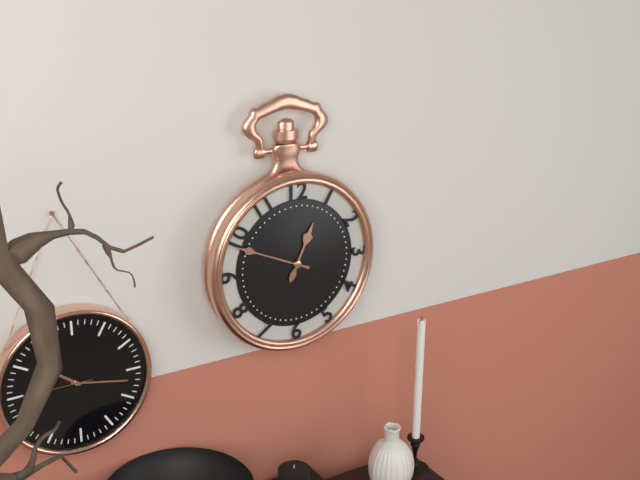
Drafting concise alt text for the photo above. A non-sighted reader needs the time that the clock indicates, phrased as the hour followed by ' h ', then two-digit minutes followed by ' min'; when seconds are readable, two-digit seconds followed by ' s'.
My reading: 12 h 49 min
